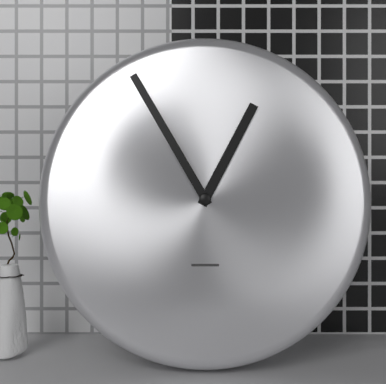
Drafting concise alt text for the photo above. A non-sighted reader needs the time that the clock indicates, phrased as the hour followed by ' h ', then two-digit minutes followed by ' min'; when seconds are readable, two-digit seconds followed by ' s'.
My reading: 12 h 55 min
